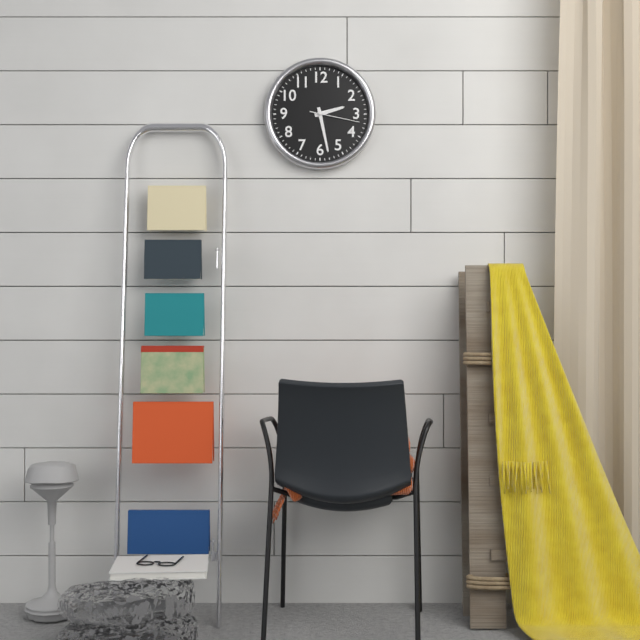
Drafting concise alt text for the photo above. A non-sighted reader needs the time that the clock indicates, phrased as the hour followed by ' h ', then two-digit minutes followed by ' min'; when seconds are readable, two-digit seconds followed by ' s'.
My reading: 2 h 28 min 17 s
